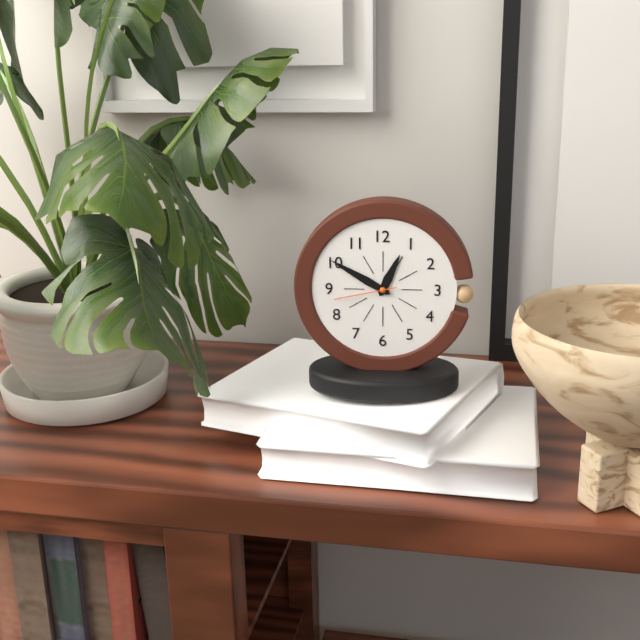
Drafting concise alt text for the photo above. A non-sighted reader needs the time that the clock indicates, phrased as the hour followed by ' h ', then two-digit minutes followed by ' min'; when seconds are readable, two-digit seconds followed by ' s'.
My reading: 12 h 50 min 43 s
